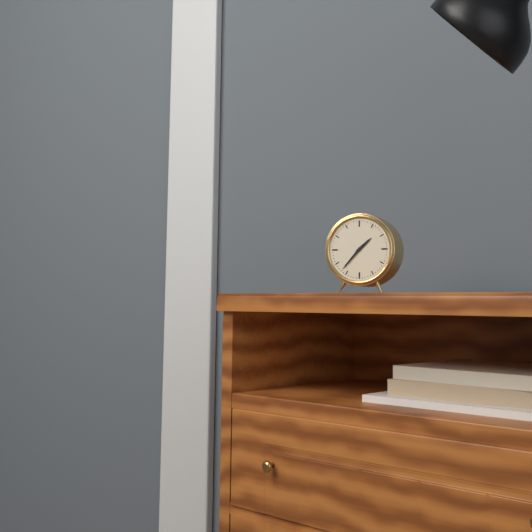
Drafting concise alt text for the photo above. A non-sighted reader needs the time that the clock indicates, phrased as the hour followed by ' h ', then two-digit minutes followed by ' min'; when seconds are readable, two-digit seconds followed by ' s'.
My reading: 1 h 37 min
